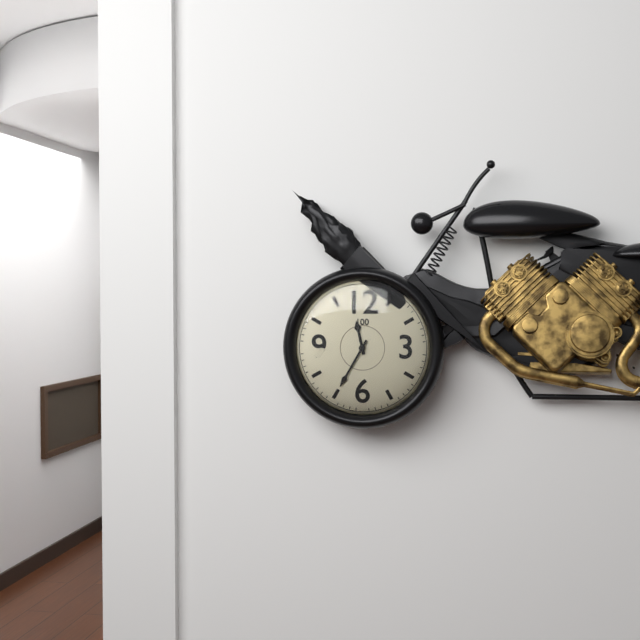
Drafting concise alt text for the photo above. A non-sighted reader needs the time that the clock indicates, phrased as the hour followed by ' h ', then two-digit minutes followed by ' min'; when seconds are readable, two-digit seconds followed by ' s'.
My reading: 11 h 35 min
